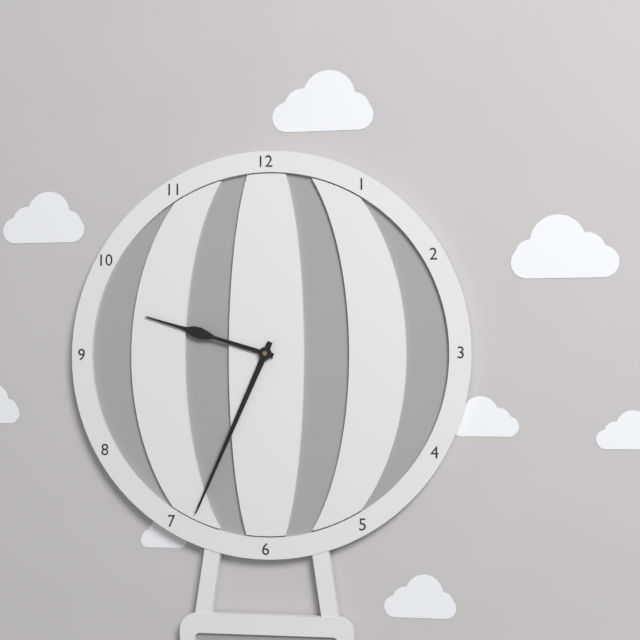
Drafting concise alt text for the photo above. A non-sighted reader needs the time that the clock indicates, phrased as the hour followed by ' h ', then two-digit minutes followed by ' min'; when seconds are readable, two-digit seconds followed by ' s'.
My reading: 9 h 34 min
